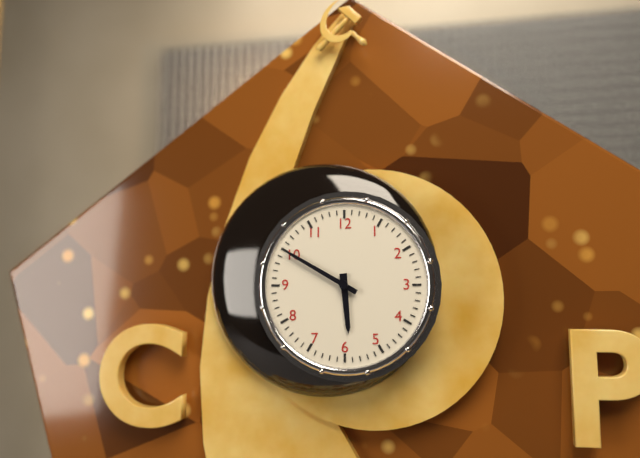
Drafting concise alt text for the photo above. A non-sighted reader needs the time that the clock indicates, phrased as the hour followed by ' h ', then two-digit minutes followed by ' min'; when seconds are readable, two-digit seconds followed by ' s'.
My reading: 5 h 50 min
